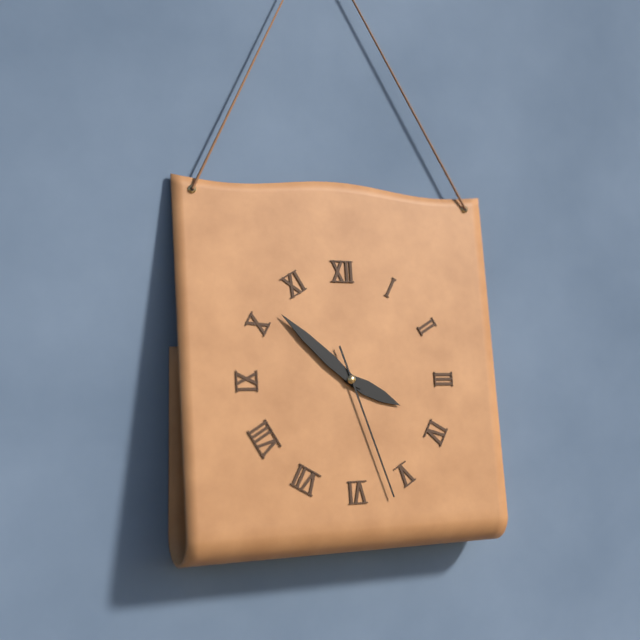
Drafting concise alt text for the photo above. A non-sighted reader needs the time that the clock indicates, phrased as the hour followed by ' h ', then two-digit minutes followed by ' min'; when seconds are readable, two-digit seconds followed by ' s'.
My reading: 3 h 52 min 27 s
